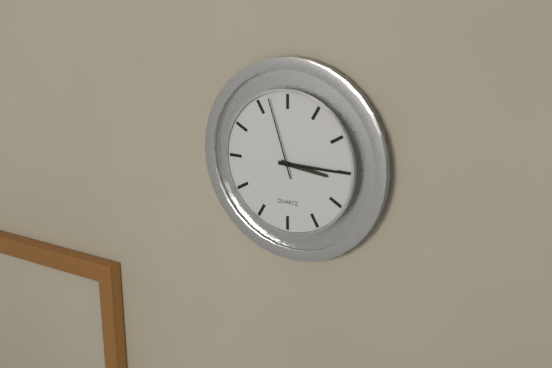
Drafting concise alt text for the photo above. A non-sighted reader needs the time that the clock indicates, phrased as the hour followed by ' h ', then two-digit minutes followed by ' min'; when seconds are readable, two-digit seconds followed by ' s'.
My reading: 3 h 15 min 57 s
